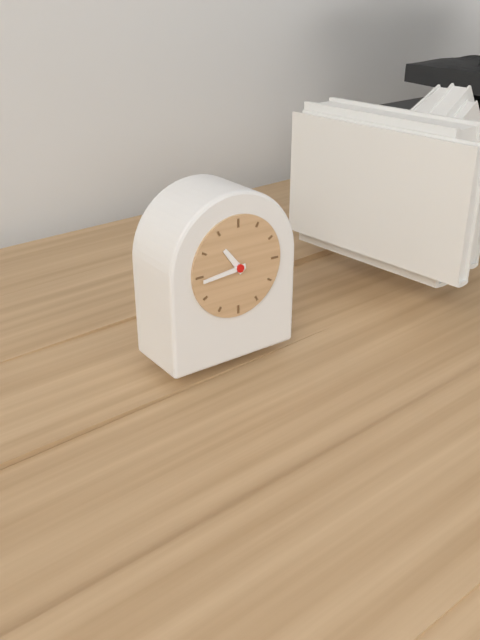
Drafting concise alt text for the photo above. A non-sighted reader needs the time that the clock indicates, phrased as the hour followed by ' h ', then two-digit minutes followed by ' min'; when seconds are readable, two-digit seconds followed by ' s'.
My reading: 10 h 44 min
